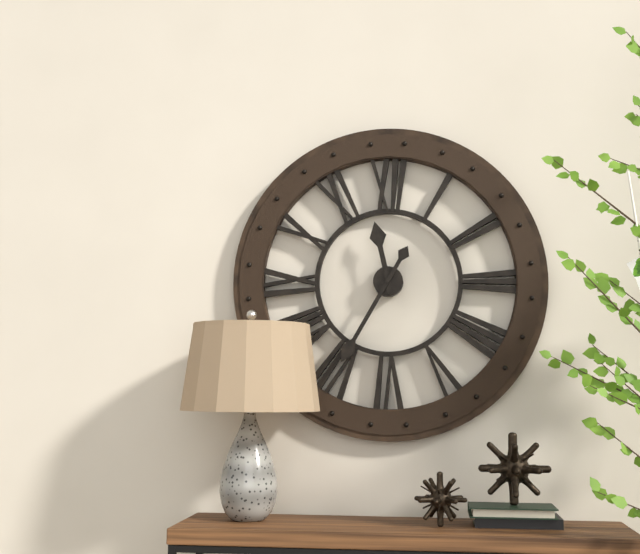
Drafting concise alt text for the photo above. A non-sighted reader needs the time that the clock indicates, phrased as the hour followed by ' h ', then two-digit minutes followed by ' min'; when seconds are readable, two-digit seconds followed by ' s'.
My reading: 11 h 35 min
